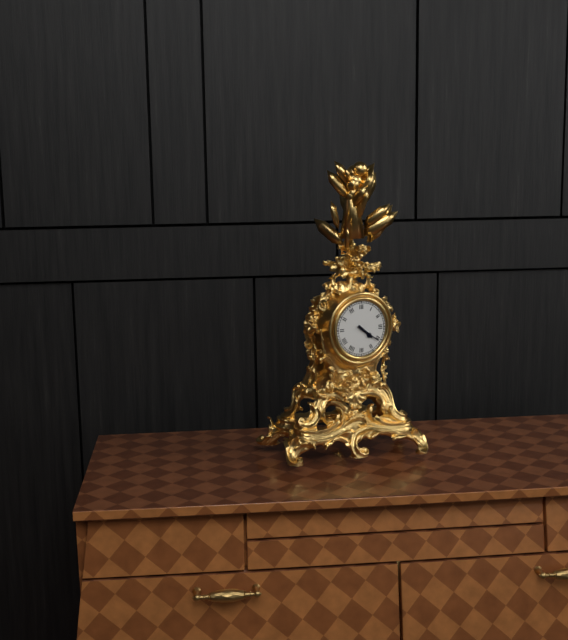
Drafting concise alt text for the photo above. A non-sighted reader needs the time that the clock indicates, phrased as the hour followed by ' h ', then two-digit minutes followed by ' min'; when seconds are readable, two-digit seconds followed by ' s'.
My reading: 4 h 21 min
